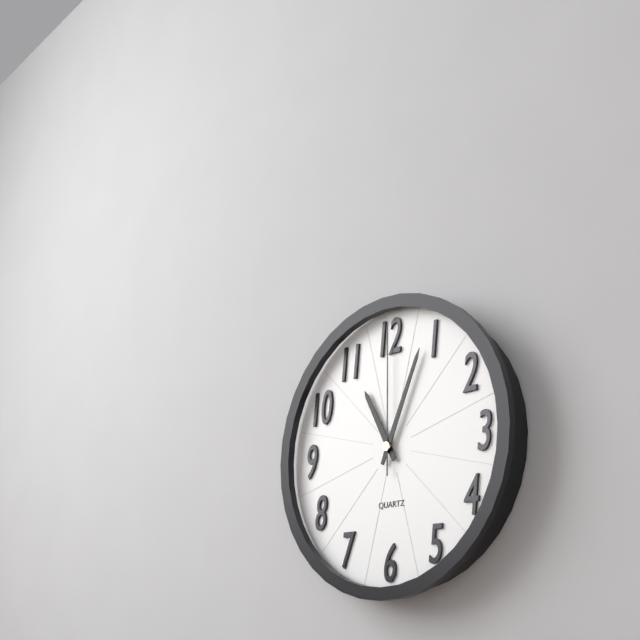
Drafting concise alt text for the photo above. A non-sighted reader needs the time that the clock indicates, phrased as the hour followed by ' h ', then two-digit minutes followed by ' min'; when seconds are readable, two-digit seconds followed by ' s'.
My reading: 11 h 04 min 00 s
